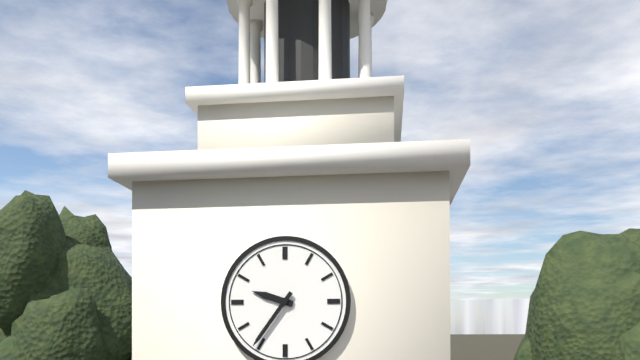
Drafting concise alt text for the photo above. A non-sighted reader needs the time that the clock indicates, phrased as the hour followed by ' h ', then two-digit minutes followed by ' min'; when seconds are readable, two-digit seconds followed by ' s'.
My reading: 9 h 36 min
